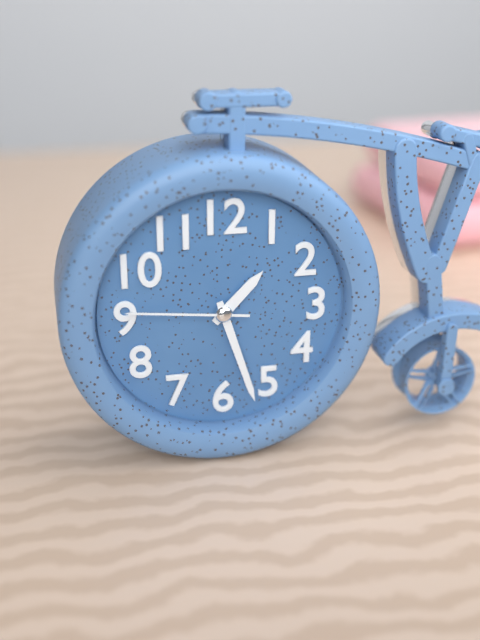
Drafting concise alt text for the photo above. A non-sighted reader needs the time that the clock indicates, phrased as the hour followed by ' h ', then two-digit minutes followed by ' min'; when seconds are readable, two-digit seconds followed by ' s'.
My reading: 1 h 27 min 46 s
